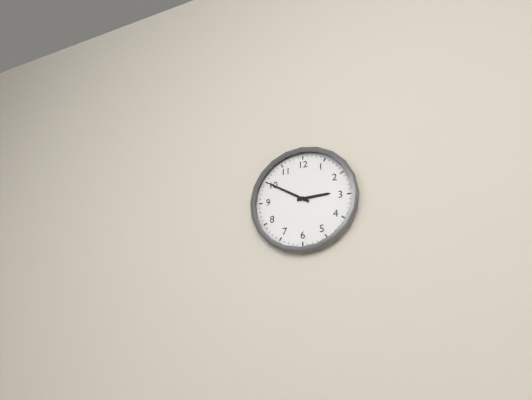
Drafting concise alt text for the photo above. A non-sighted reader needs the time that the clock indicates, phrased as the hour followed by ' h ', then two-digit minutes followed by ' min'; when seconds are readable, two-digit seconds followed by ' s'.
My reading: 2 h 50 min
